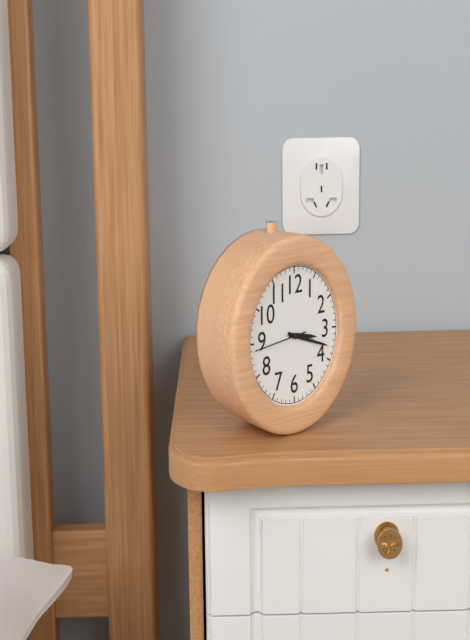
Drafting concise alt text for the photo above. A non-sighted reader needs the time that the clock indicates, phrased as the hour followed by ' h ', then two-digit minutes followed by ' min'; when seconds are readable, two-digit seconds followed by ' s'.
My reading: 3 h 18 min 44 s
